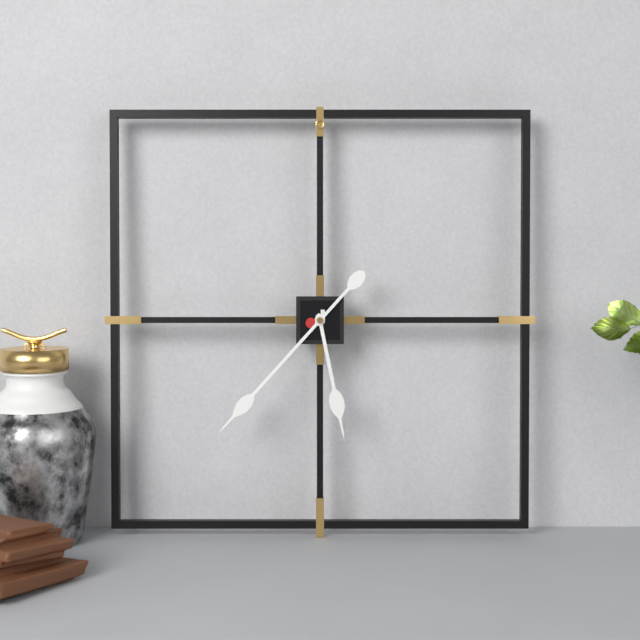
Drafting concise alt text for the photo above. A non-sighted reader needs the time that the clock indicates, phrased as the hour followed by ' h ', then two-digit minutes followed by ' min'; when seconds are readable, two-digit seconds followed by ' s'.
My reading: 5 h 37 min
